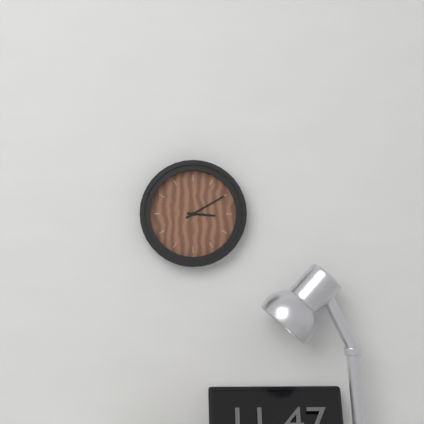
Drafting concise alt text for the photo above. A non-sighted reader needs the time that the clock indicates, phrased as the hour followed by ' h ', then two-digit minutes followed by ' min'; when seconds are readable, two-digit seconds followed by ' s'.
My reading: 3 h 10 min
